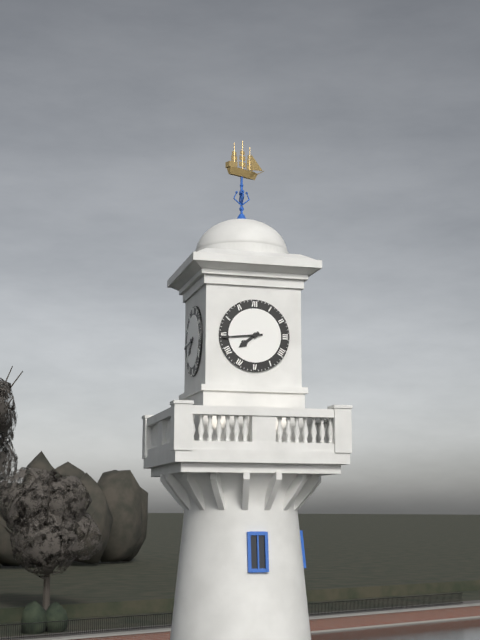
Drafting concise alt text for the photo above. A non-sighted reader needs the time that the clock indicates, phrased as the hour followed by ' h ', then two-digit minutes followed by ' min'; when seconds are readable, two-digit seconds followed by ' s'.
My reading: 7 h 44 min
